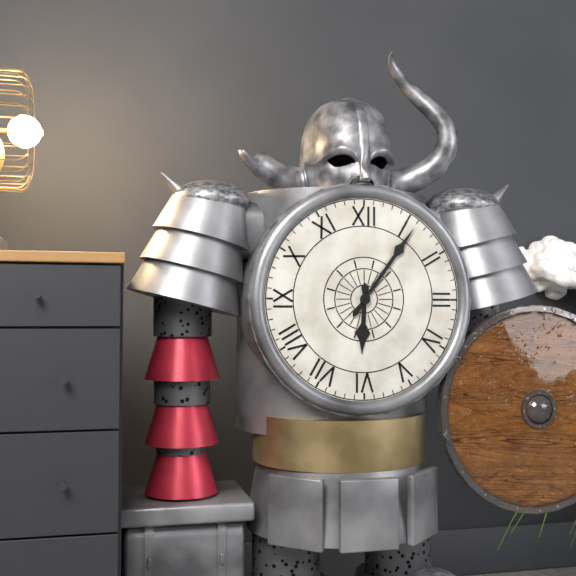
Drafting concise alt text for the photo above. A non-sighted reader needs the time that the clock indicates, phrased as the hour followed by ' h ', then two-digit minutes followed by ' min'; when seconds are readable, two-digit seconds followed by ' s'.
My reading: 6 h 06 min
